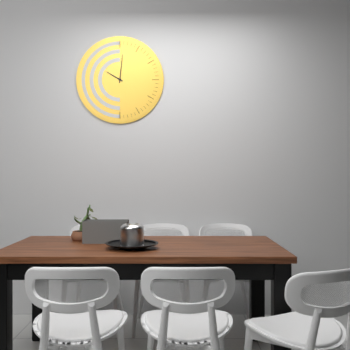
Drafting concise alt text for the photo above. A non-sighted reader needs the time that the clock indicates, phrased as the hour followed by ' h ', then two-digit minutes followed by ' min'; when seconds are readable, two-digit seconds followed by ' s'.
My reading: 10 h 01 min
